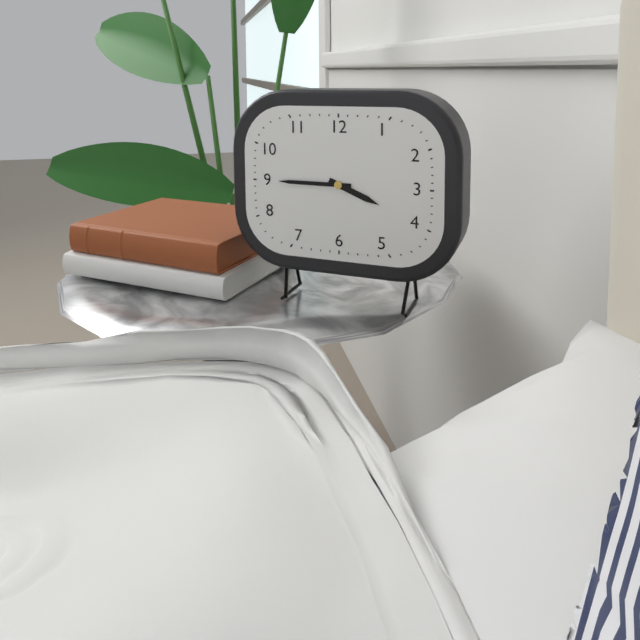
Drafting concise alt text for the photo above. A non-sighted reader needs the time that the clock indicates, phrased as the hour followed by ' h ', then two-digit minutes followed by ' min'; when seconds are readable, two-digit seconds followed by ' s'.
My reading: 3 h 45 min
